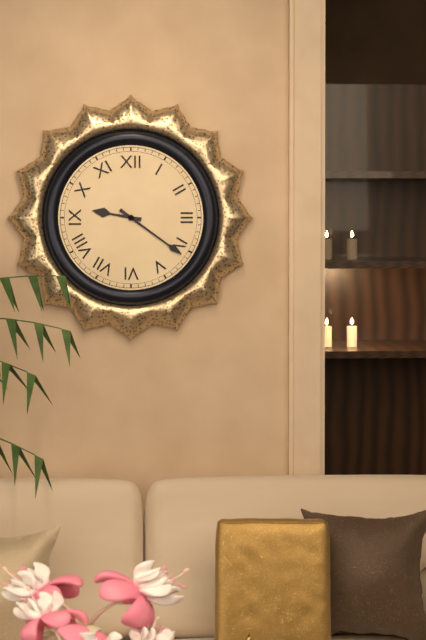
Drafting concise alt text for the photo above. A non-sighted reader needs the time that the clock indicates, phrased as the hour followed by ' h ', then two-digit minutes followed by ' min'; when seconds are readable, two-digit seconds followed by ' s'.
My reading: 9 h 21 min
